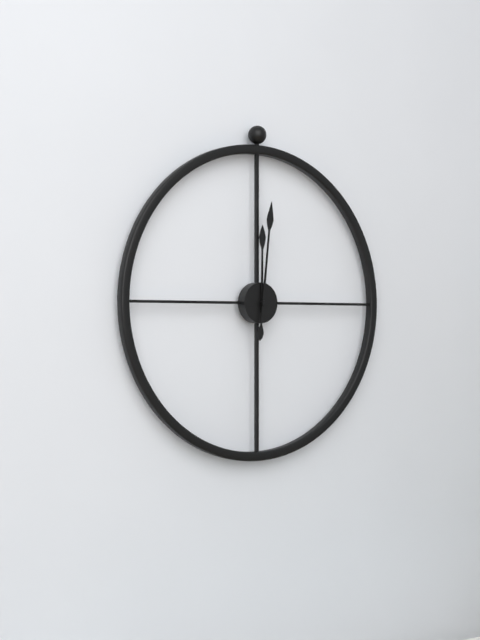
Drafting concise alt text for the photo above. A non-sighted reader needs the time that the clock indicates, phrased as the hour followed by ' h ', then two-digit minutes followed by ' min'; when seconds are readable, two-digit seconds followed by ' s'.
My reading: 12 h 01 min
